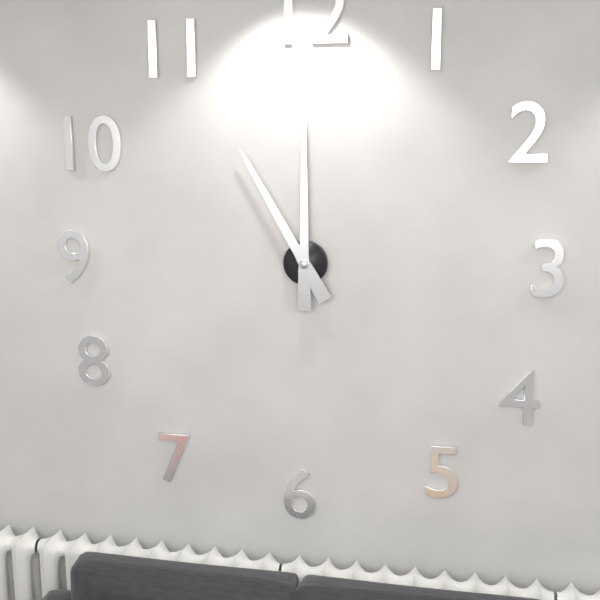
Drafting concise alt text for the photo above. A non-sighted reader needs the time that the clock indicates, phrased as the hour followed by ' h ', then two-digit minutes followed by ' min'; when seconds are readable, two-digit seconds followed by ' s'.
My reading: 11 h 00 min
